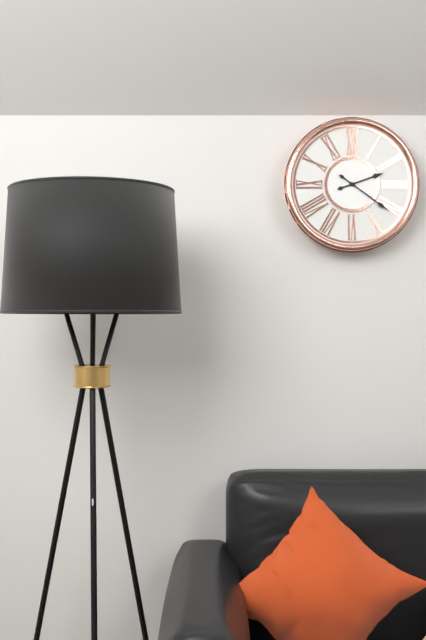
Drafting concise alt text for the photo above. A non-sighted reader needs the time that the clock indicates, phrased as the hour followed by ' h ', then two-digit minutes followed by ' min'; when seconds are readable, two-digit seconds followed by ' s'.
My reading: 2 h 21 min
